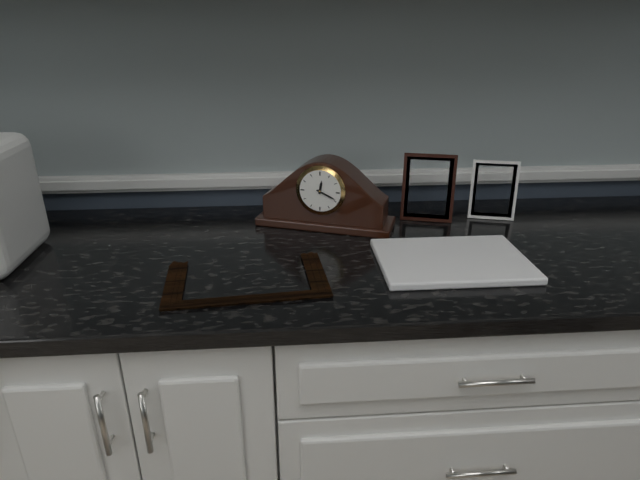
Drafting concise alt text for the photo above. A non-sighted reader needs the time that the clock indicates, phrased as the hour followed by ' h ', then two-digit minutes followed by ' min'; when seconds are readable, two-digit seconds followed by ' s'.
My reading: 12 h 19 min
